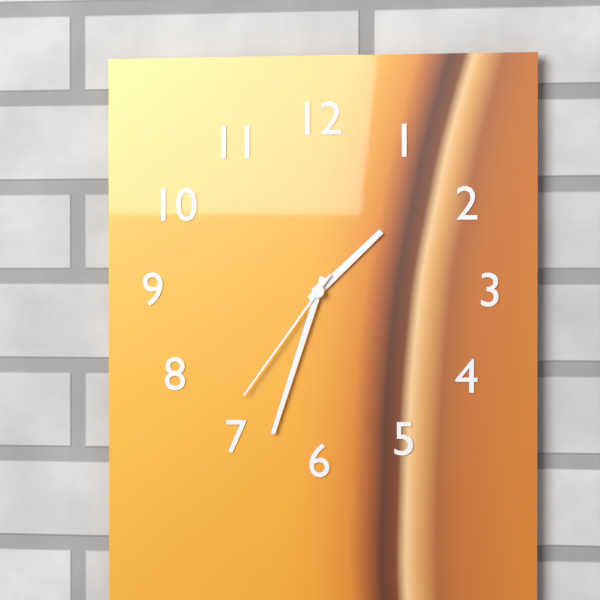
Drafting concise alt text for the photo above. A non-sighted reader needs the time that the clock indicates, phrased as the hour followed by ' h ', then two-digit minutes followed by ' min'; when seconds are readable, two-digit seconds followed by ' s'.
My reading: 1 h 33 min 36 s
